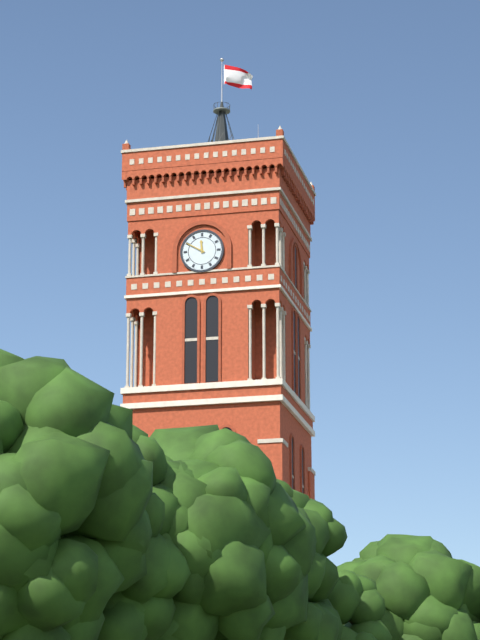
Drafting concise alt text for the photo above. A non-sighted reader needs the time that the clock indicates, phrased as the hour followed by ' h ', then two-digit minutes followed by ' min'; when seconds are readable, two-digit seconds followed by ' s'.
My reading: 11 h 50 min
